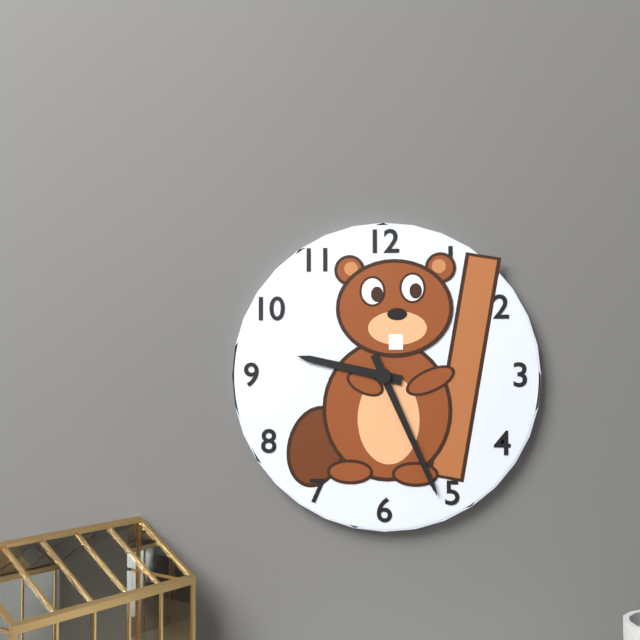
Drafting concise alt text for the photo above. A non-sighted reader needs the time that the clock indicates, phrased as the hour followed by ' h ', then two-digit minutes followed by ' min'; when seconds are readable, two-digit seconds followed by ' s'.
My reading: 9 h 26 min
